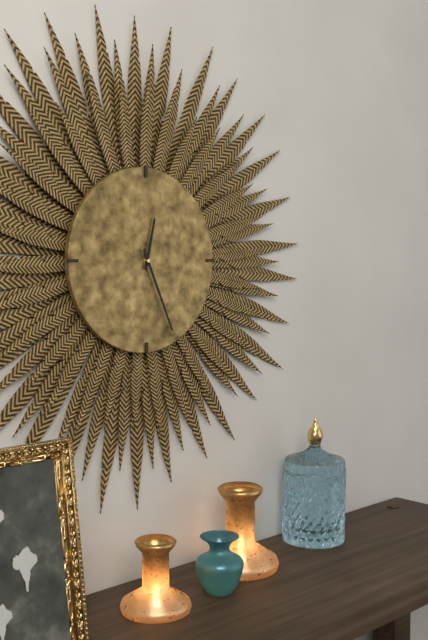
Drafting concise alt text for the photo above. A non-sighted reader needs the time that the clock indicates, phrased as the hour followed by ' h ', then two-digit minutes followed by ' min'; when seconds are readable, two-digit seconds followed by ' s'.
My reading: 12 h 26 min
